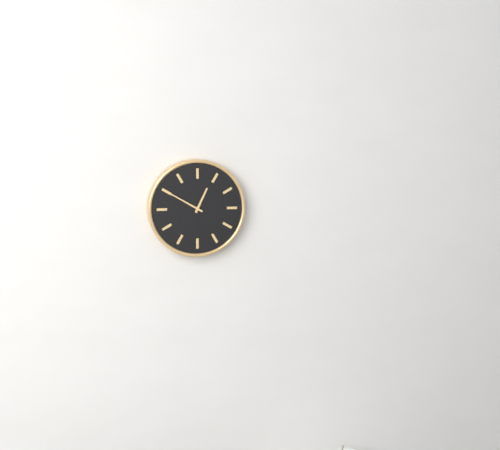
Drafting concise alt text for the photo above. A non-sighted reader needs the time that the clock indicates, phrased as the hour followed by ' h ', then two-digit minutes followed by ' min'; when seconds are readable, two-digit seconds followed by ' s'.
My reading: 12 h 50 min
